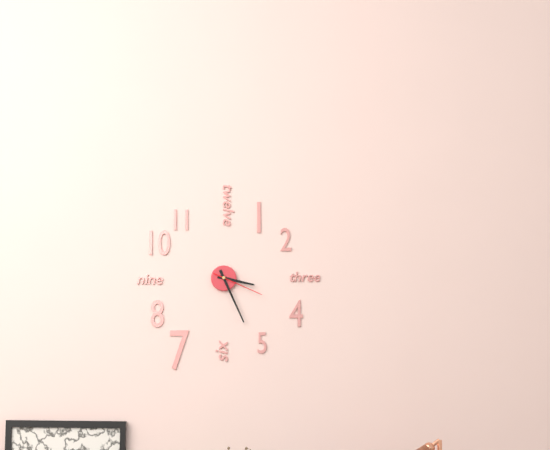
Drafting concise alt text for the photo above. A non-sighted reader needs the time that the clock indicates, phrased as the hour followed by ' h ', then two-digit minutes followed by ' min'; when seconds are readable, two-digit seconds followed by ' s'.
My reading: 3 h 26 min 19 s
